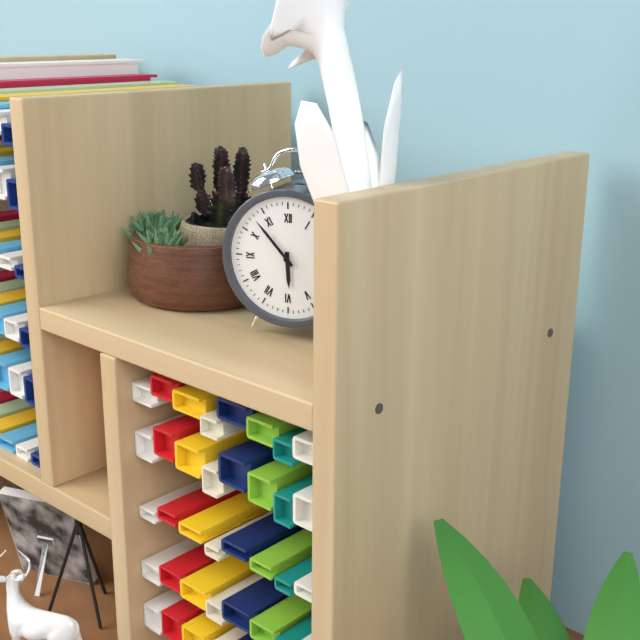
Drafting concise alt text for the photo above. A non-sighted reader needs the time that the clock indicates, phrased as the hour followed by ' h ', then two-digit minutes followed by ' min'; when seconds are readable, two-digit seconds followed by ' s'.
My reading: 5 h 53 min
